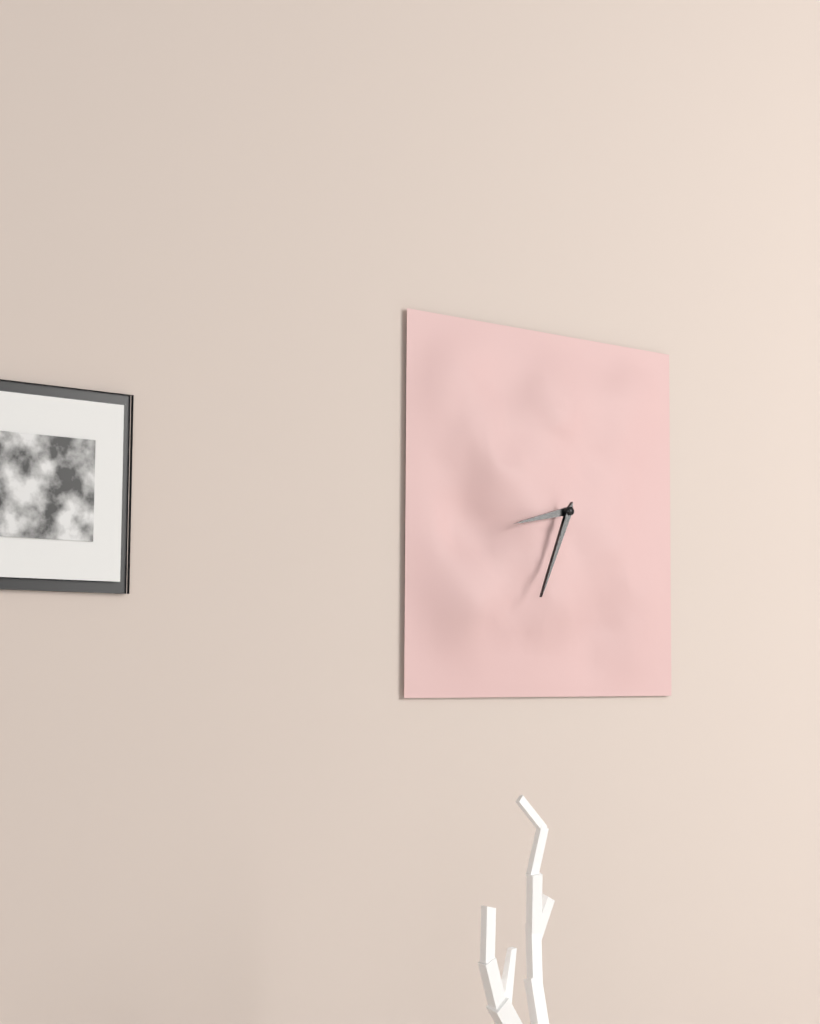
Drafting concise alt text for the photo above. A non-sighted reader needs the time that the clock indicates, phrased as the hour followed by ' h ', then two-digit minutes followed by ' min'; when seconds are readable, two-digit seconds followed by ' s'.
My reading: 8 h 34 min
